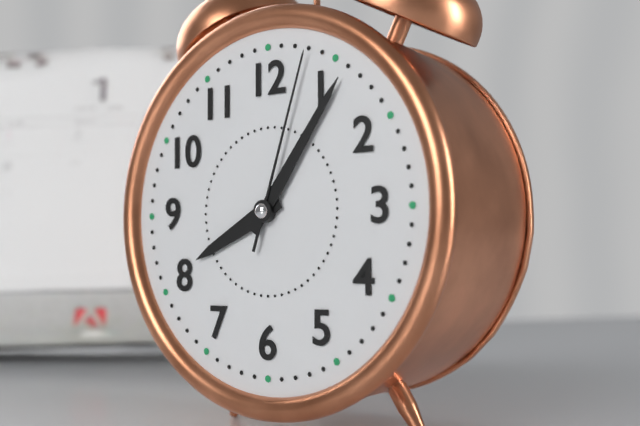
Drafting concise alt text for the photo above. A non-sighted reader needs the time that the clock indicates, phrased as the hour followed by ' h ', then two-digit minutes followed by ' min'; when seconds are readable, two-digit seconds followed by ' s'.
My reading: 8 h 06 min 03 s
